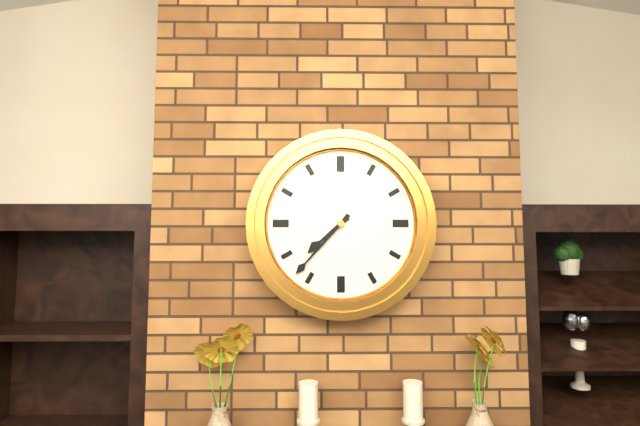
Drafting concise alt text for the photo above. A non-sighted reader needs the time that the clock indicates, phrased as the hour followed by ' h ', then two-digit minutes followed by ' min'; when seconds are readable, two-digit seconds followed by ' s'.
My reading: 7 h 37 min
